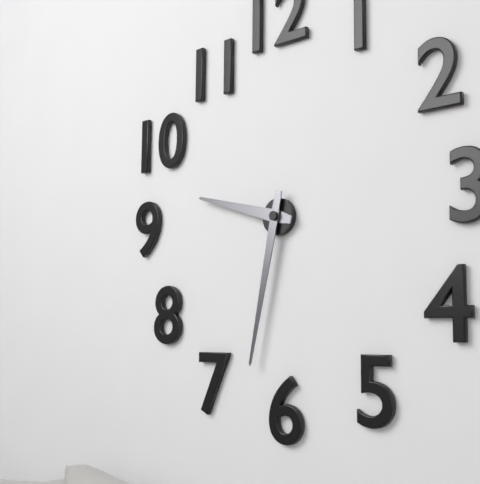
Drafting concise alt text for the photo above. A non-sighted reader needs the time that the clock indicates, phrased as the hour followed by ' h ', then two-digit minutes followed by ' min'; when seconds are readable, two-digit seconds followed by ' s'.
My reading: 9 h 32 min
